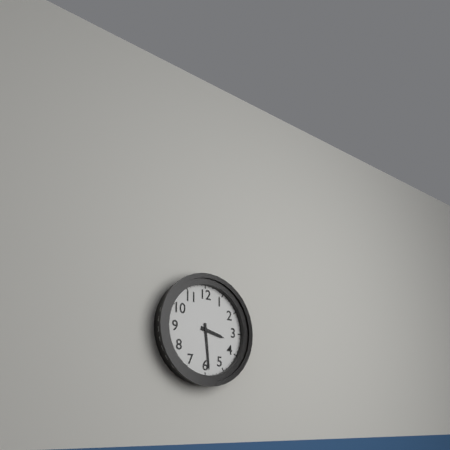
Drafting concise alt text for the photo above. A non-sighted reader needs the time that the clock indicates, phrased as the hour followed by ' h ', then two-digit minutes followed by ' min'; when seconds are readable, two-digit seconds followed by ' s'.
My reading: 3 h 29 min
